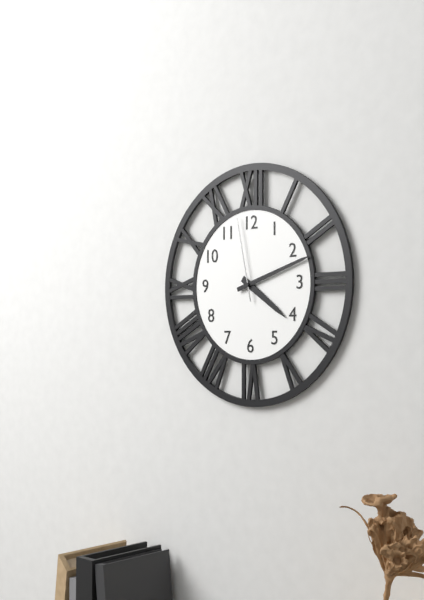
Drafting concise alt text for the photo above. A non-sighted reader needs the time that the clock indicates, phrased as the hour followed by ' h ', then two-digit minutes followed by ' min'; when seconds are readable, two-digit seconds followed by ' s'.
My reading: 4 h 12 min 58 s
